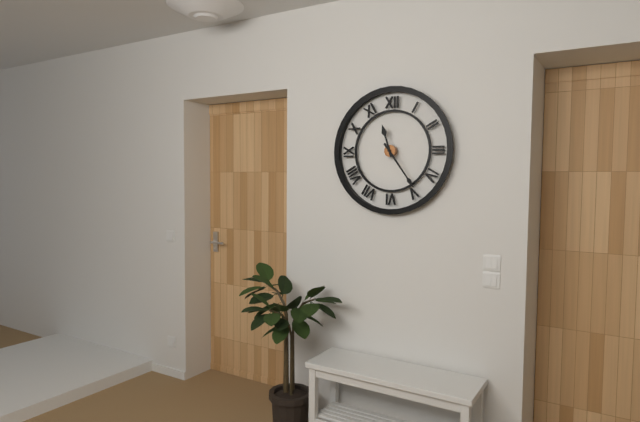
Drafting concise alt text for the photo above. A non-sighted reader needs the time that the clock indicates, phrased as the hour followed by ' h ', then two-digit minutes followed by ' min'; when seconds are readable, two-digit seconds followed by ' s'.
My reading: 11 h 24 min
